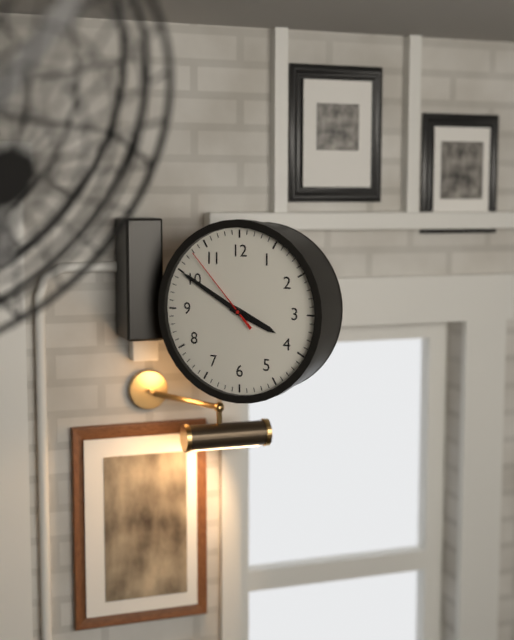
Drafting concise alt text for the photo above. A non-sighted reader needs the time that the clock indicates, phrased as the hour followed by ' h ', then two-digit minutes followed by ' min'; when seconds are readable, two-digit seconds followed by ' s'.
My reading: 3 h 50 min 53 s
